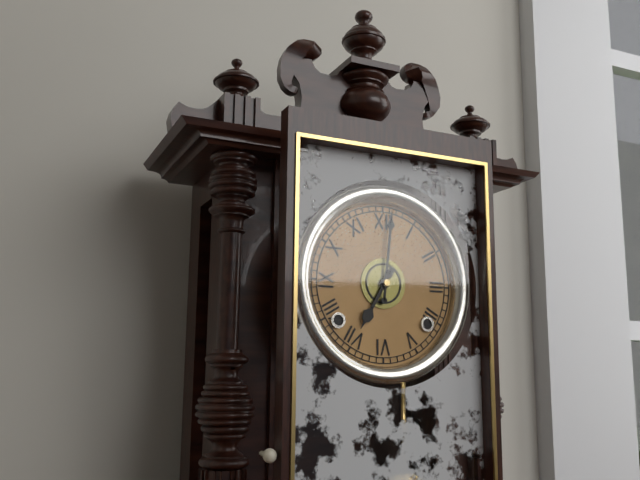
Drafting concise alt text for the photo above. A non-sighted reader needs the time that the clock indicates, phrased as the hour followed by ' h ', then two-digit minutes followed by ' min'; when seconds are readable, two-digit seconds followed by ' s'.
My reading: 7 h 01 min
